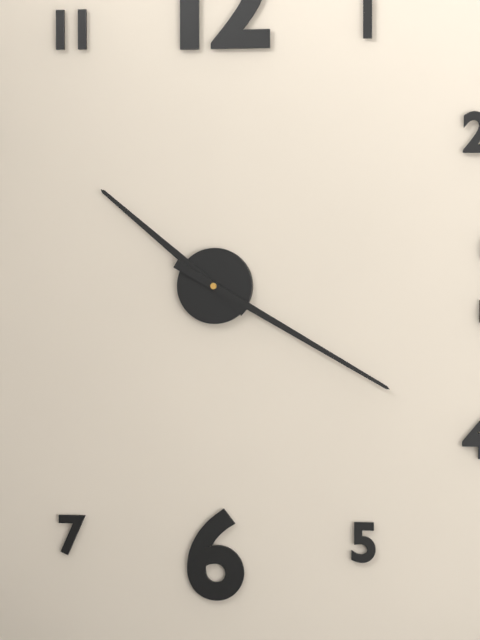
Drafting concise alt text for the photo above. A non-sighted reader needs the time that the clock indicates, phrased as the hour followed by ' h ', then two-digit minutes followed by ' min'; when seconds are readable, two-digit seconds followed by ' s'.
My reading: 10 h 20 min
